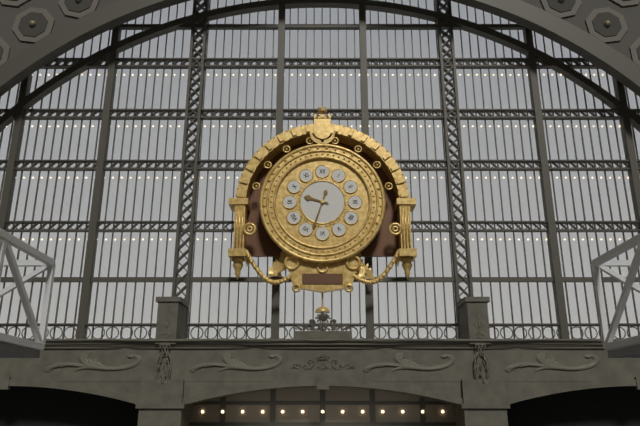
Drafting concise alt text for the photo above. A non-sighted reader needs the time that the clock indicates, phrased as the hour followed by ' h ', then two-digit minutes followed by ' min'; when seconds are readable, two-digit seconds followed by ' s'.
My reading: 9 h 33 min
